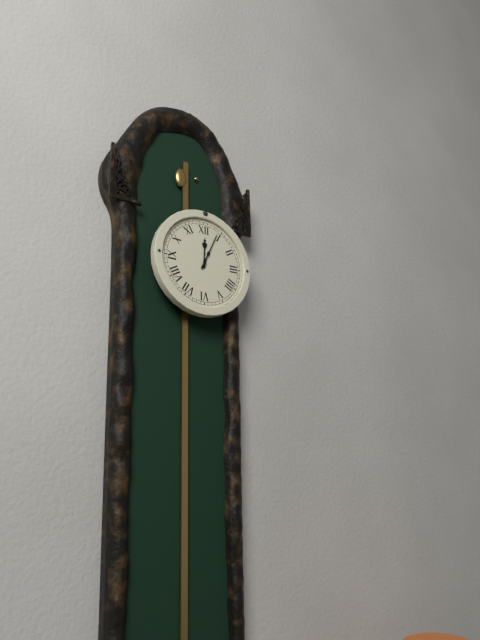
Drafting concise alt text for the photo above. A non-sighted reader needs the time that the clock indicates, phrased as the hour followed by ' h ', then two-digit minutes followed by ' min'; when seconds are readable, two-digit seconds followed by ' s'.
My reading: 12 h 04 min
